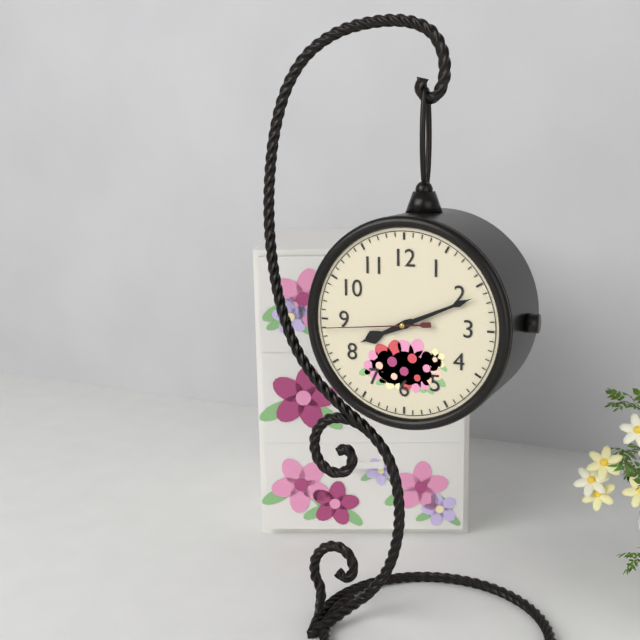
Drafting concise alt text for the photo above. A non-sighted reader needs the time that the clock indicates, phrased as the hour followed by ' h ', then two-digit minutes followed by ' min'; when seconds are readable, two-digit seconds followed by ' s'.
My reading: 8 h 11 min 44 s
